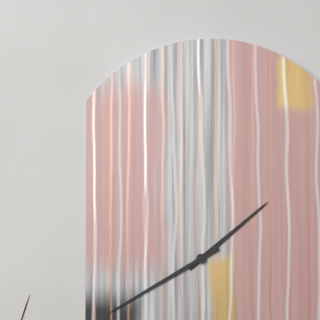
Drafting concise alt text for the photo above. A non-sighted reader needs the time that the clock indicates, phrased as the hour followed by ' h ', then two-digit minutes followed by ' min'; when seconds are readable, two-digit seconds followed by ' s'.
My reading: 1 h 40 min
